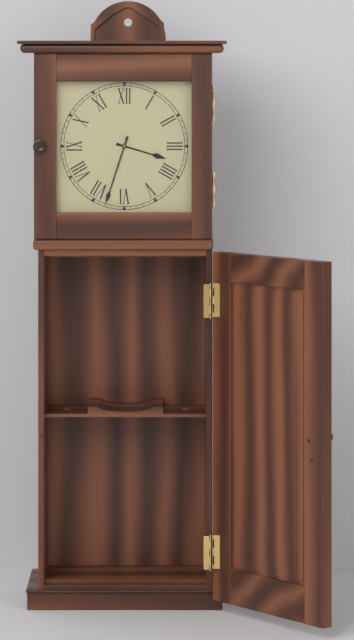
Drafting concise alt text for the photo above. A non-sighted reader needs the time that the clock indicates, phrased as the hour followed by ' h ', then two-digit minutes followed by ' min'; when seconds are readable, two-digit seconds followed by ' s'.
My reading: 3 h 33 min
